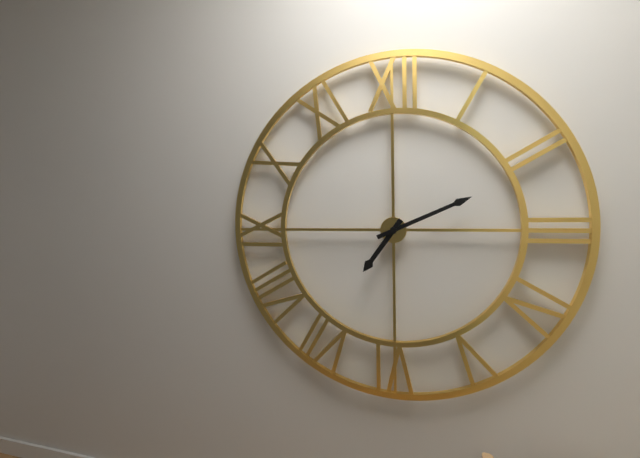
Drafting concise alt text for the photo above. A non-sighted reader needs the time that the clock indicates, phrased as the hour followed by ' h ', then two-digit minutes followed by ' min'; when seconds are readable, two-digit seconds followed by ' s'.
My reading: 7 h 11 min
